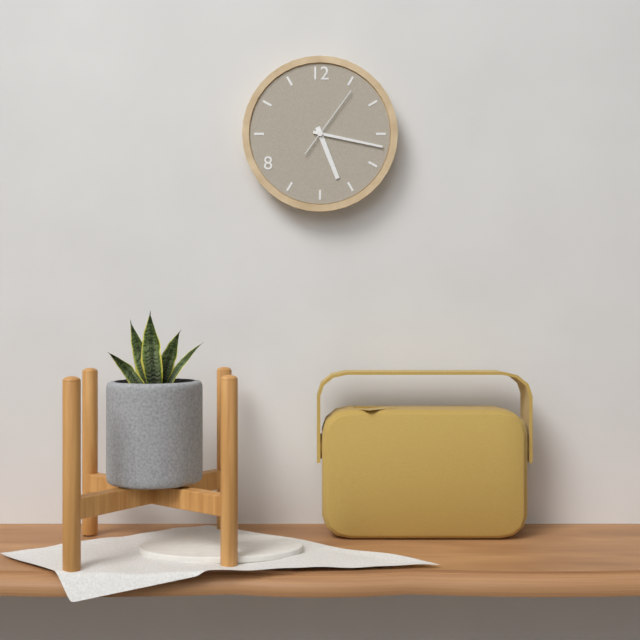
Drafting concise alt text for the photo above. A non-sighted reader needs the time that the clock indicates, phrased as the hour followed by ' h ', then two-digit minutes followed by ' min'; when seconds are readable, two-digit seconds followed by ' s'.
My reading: 5 h 17 min 06 s
